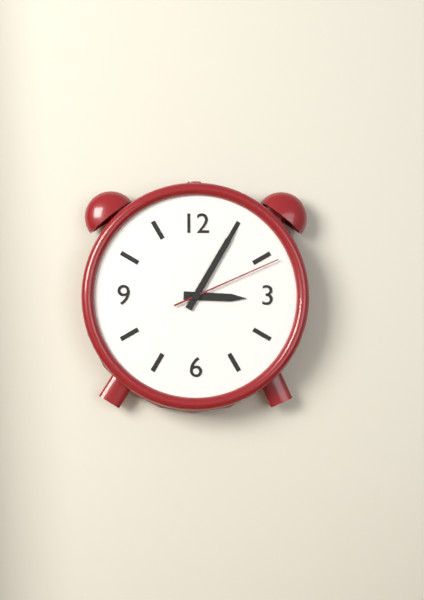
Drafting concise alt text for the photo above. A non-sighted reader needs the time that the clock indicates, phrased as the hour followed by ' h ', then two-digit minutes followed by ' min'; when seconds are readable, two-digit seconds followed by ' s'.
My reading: 3 h 05 min 11 s
